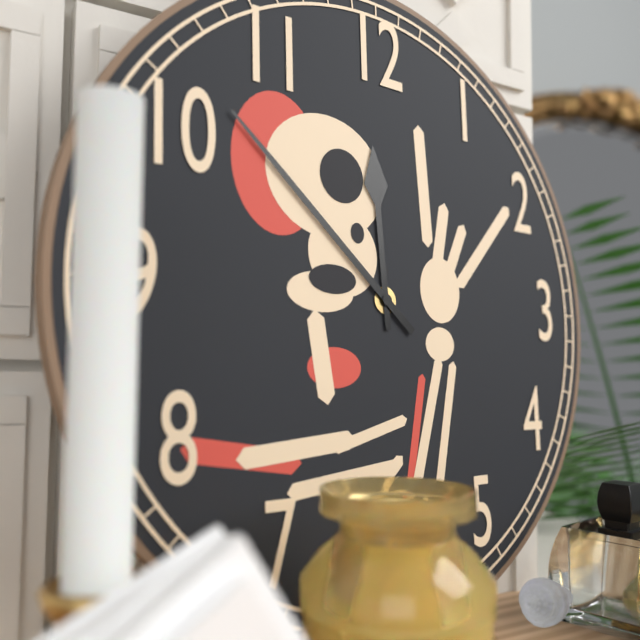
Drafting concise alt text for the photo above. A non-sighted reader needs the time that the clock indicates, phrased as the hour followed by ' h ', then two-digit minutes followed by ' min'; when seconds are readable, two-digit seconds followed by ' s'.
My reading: 11 h 52 min
